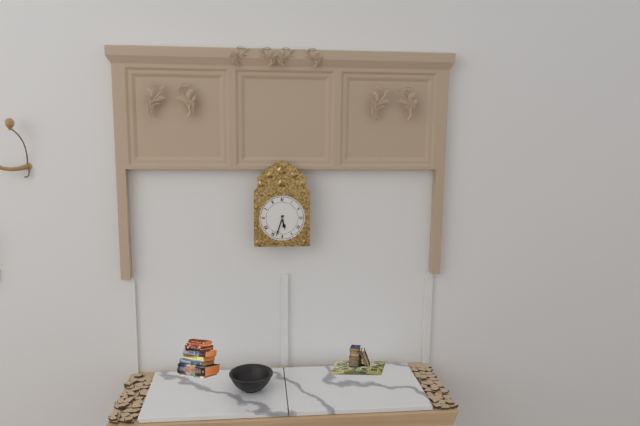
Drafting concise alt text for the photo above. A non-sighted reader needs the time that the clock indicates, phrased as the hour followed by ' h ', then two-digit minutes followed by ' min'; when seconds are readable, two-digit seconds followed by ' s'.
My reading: 5 h 33 min
